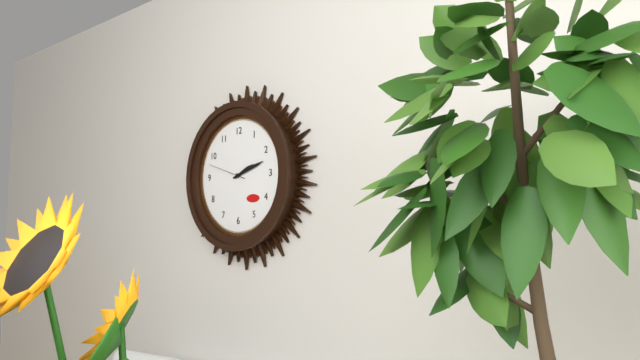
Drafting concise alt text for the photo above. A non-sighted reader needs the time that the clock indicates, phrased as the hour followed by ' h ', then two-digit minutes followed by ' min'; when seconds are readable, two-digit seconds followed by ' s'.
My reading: 2 h 12 min
